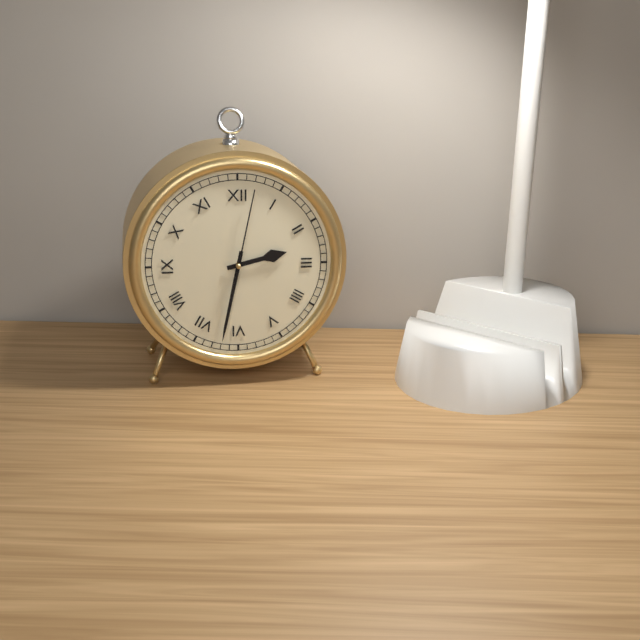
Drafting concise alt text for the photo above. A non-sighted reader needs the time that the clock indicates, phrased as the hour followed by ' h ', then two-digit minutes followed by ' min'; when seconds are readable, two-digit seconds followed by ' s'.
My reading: 2 h 32 min 02 s
